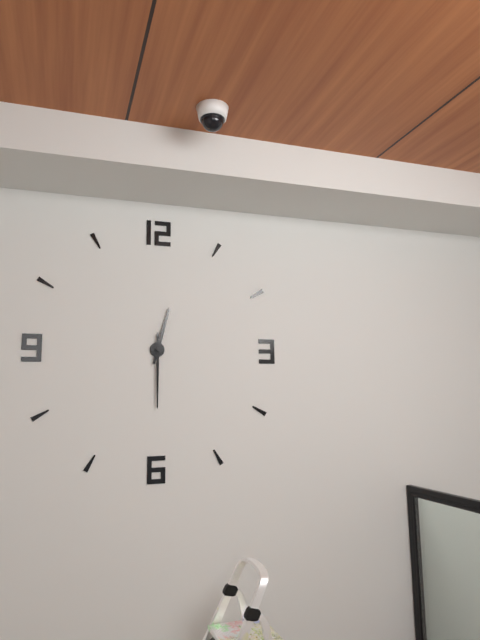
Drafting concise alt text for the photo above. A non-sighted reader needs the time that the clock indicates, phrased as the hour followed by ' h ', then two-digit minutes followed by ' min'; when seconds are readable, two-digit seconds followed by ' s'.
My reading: 12 h 30 min
